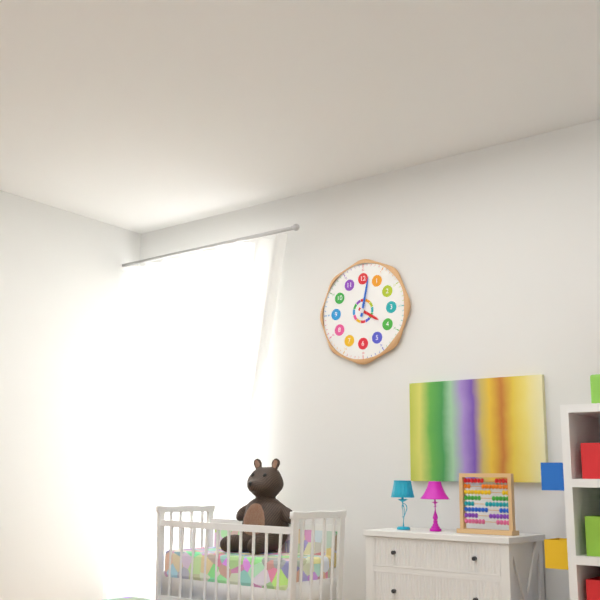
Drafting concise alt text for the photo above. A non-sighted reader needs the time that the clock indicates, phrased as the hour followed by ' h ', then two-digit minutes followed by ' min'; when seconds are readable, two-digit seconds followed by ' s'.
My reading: 4 h 02 min
